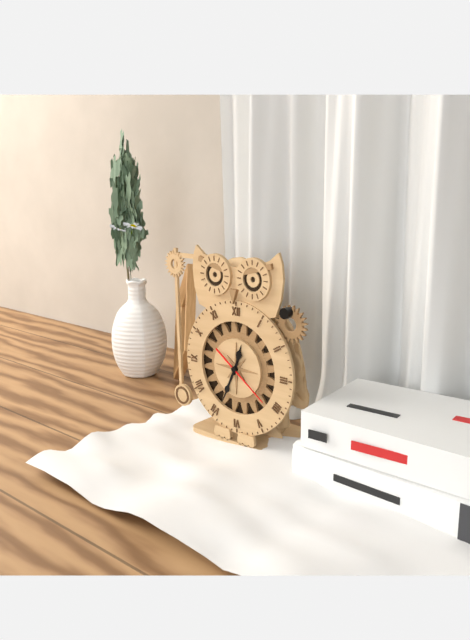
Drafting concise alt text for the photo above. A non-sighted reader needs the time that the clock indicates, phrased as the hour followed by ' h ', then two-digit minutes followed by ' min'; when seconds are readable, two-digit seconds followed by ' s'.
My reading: 12 h 34 min 21 s
